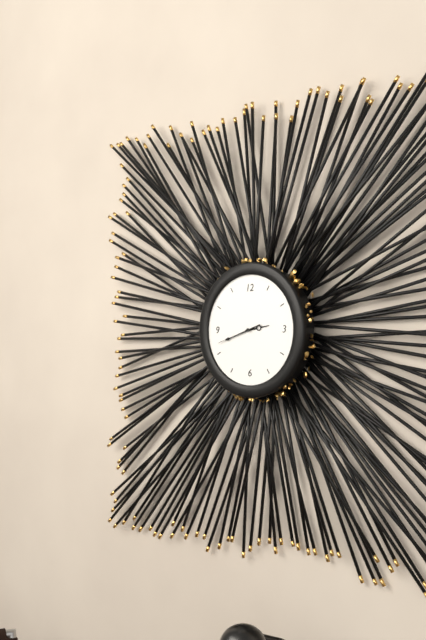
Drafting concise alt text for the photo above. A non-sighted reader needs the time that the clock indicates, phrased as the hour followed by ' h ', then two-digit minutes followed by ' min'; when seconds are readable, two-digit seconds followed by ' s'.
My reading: 2 h 42 min
